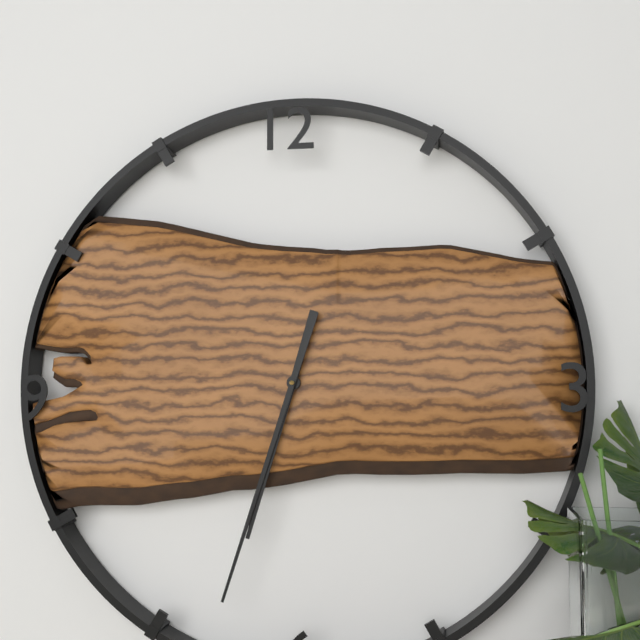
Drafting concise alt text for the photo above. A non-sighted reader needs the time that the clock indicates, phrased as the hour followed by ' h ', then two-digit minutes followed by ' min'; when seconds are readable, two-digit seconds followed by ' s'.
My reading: 6 h 33 min
